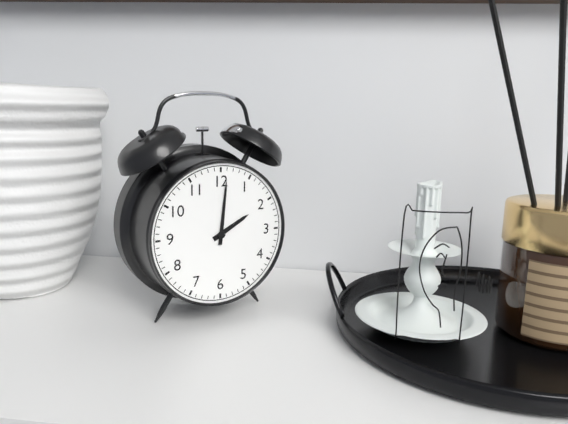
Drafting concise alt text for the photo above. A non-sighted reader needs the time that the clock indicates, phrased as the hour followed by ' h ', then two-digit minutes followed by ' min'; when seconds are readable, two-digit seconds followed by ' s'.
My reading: 2 h 01 min
